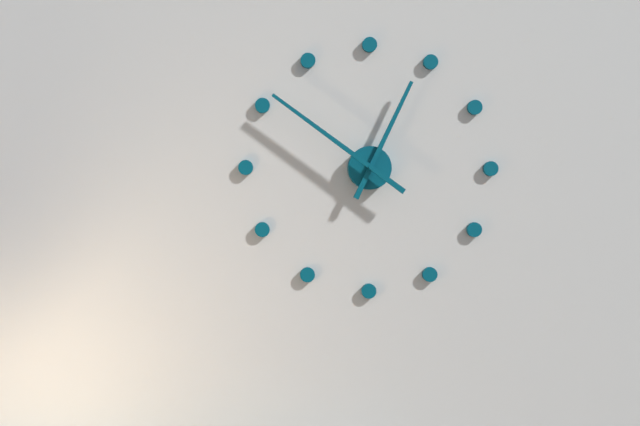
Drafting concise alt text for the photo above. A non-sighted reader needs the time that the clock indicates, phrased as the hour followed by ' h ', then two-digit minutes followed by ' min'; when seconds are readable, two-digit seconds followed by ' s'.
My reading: 12 h 51 min
